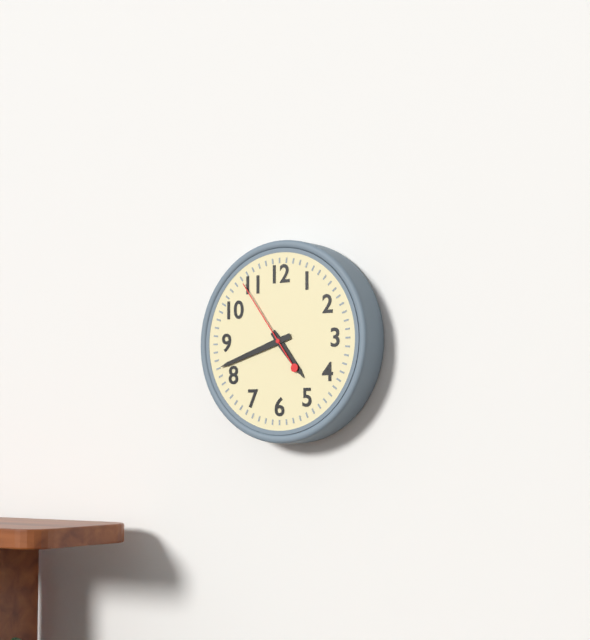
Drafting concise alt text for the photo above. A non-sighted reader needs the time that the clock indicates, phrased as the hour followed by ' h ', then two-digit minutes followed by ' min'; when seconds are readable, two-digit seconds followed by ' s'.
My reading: 4 h 42 min 54 s
